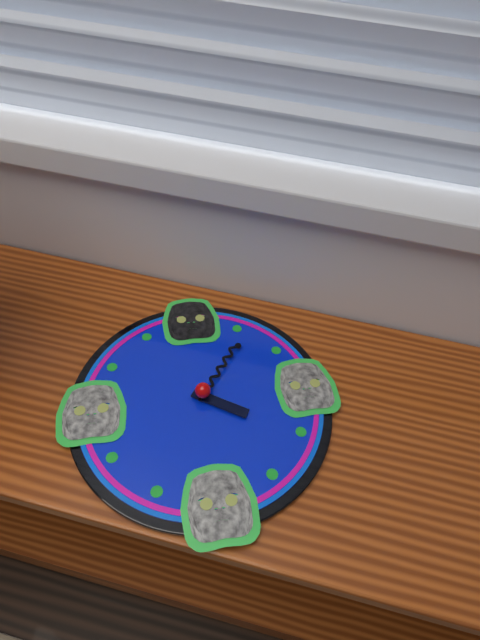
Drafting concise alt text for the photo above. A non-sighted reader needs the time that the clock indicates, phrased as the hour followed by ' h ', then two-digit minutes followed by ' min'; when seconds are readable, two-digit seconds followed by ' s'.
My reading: 4 h 06 min
